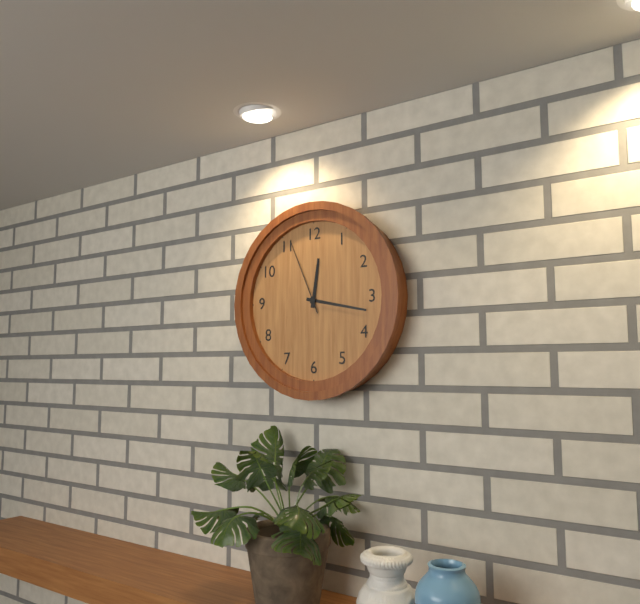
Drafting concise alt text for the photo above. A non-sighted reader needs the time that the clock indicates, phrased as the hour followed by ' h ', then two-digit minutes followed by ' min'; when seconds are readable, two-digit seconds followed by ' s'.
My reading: 12 h 17 min 56 s
